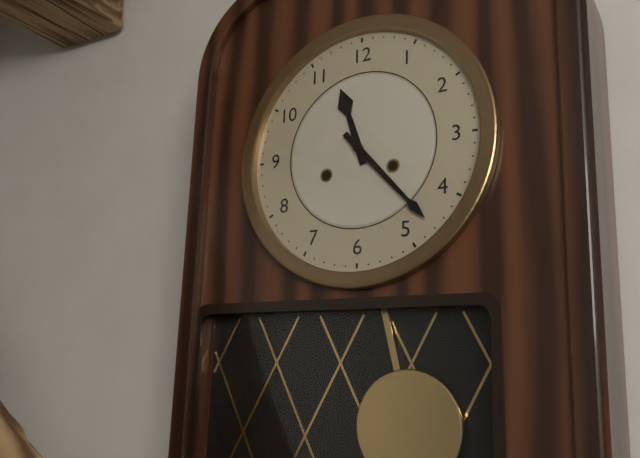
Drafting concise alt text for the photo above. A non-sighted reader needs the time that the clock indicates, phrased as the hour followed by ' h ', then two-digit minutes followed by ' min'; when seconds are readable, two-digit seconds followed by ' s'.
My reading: 11 h 23 min
